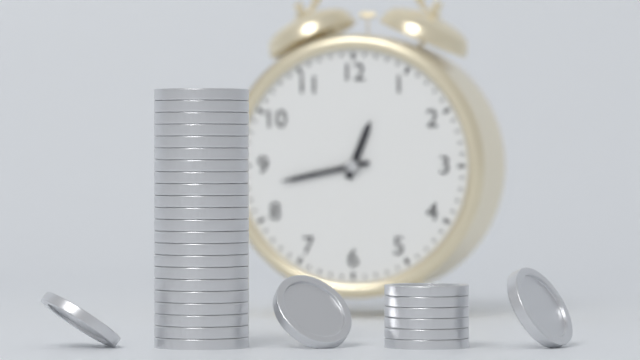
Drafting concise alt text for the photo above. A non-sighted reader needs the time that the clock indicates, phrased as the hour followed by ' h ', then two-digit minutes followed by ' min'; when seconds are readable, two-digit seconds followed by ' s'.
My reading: 12 h 43 min
